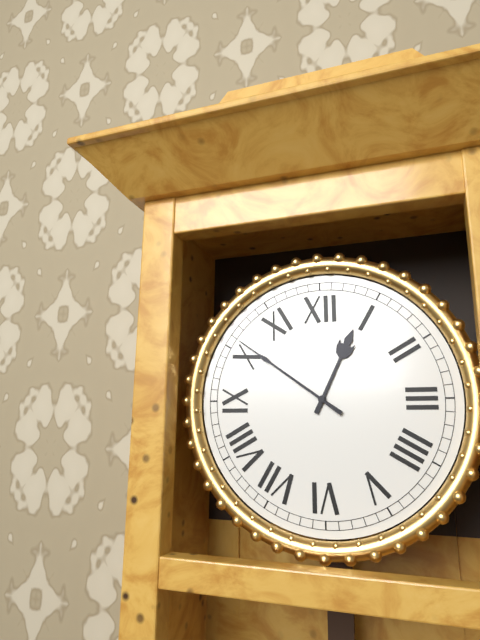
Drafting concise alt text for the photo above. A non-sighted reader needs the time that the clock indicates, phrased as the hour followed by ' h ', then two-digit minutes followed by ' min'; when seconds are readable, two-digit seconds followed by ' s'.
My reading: 12 h 51 min
